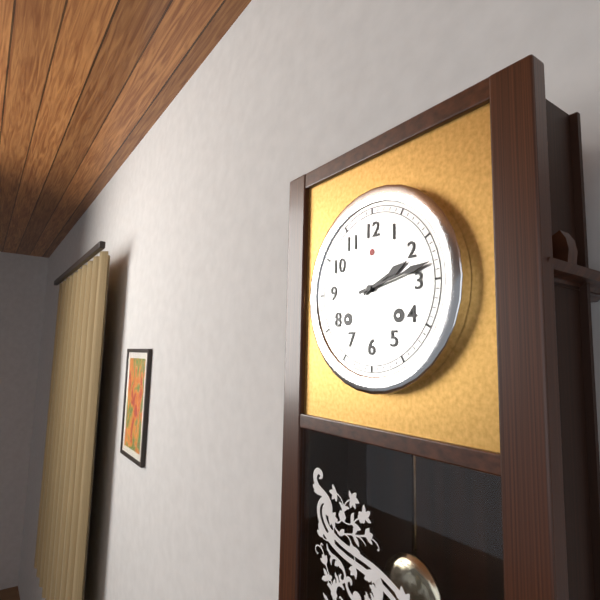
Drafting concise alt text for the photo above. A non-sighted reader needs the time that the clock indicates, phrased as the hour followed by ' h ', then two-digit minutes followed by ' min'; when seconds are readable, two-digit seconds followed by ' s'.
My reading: 2 h 13 min
